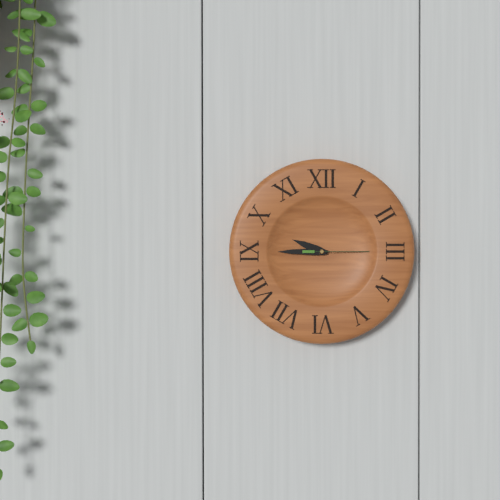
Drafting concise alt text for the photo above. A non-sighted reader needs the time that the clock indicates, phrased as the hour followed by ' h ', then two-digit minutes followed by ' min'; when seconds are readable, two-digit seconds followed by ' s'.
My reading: 9 h 45 min 15 s
